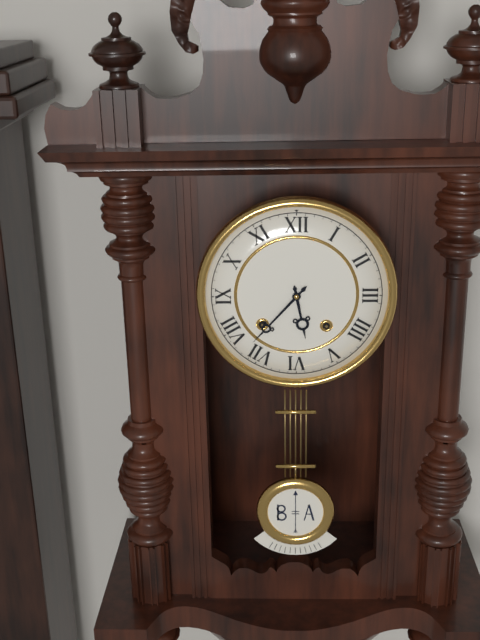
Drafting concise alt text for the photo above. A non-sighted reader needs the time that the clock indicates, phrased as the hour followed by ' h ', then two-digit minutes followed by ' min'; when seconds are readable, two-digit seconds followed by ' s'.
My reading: 5 h 37 min
